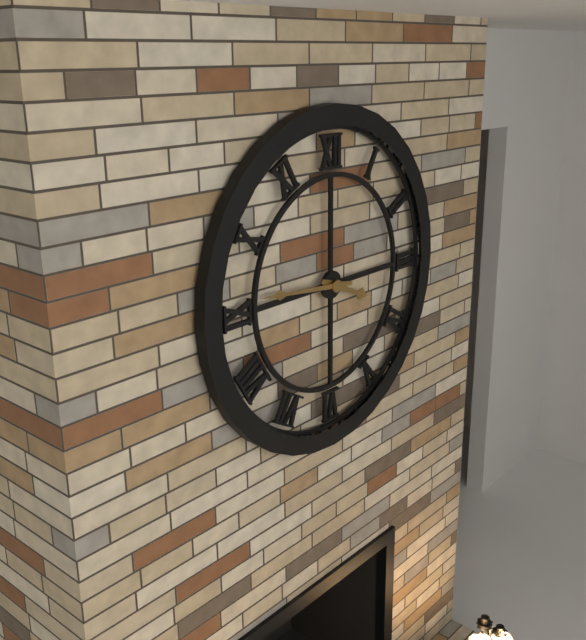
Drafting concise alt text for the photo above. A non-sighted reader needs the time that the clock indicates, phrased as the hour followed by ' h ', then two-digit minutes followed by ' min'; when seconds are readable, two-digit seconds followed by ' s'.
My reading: 3 h 46 min
